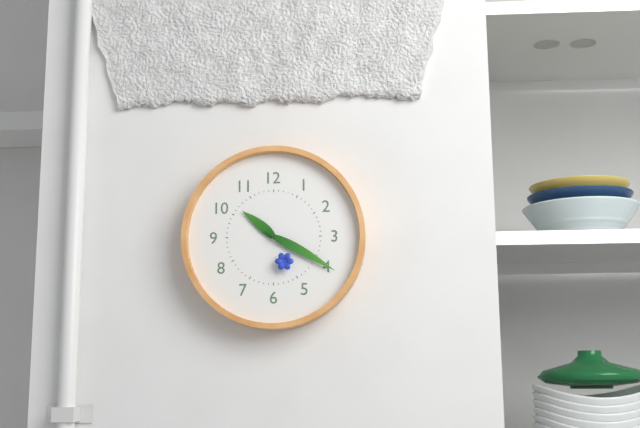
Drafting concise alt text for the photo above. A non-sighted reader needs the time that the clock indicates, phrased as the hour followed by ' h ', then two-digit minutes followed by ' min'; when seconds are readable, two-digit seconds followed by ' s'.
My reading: 10 h 20 min
